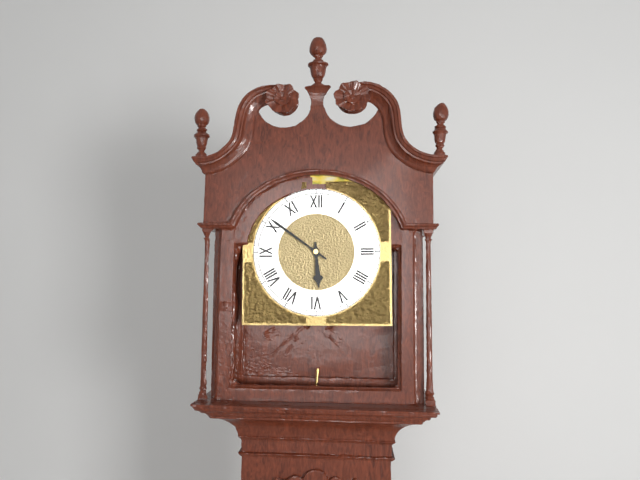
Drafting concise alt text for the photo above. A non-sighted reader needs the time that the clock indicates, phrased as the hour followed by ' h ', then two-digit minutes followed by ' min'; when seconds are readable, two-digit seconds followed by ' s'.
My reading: 5 h 51 min
